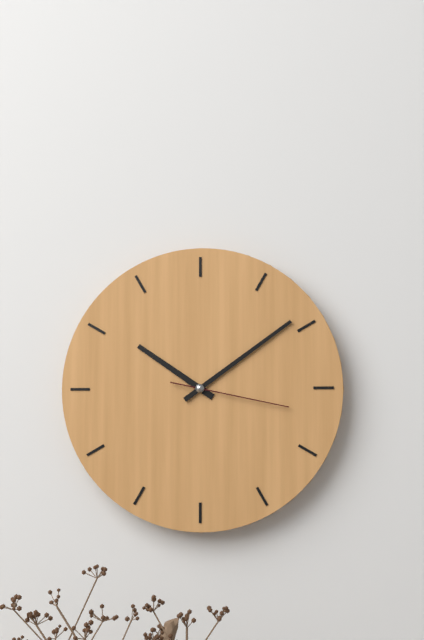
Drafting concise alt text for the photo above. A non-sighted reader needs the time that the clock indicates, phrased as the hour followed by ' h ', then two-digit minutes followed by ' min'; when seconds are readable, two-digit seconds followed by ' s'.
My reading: 10 h 09 min 17 s
